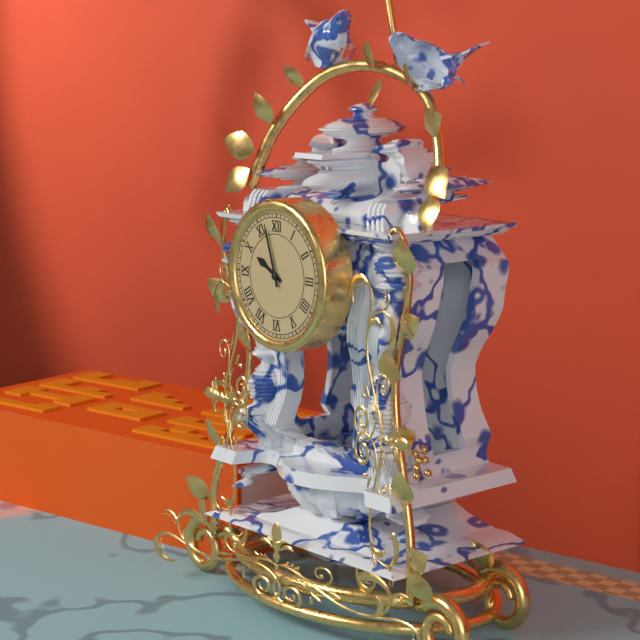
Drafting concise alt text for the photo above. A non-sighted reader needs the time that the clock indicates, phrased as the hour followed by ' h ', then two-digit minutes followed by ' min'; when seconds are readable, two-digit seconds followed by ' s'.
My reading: 9 h 57 min
